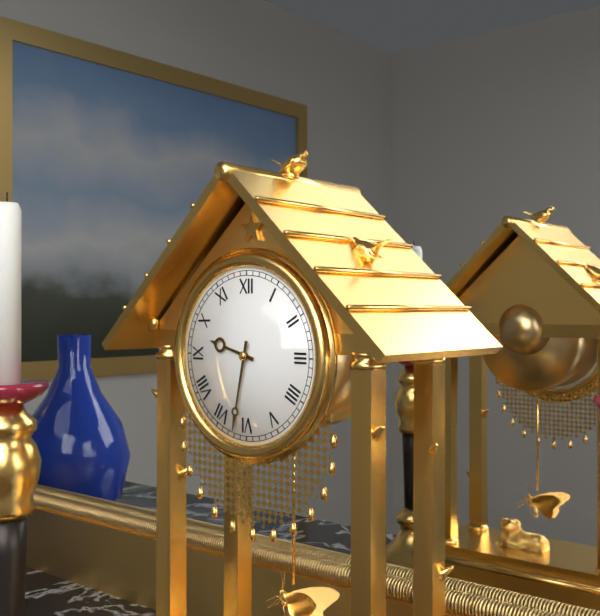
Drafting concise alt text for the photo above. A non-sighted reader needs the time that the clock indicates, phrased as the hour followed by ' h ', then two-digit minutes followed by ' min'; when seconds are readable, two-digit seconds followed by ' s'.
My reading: 9 h 32 min
